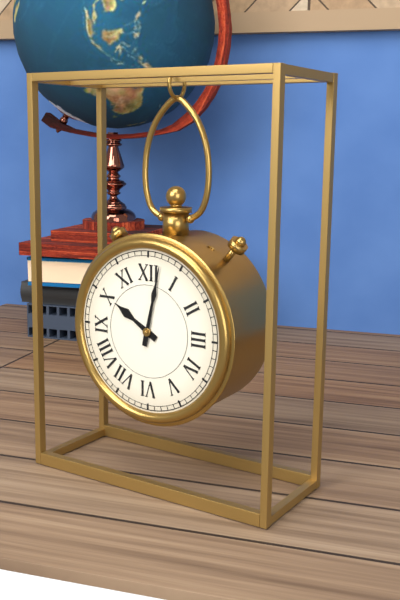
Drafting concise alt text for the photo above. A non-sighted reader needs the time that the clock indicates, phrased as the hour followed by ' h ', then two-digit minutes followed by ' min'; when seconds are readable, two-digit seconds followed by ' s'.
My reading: 10 h 02 min
